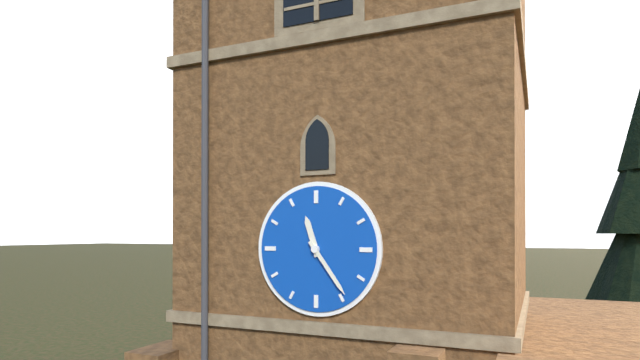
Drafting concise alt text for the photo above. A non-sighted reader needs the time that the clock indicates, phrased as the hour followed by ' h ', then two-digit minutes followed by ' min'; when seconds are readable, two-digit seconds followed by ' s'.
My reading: 11 h 24 min
